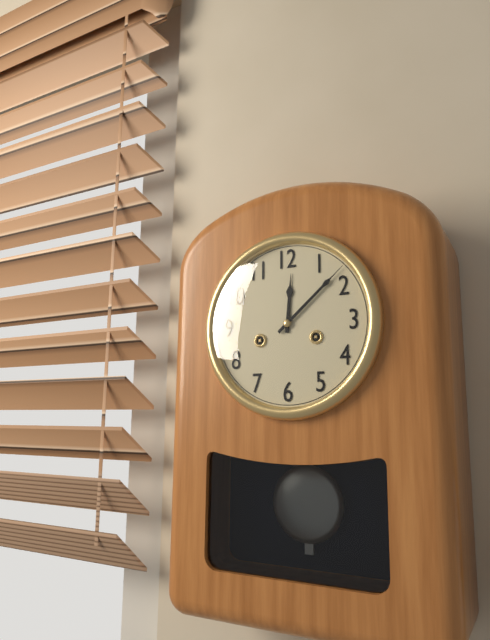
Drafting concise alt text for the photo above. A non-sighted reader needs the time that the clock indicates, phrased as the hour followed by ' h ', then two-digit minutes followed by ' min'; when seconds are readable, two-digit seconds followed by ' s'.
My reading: 12 h 08 min
